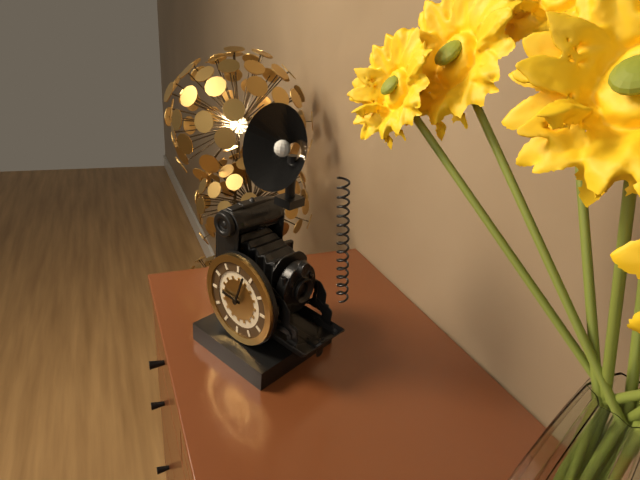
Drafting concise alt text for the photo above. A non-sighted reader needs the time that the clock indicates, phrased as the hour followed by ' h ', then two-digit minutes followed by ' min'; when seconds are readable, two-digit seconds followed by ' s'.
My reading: 9 h 03 min
